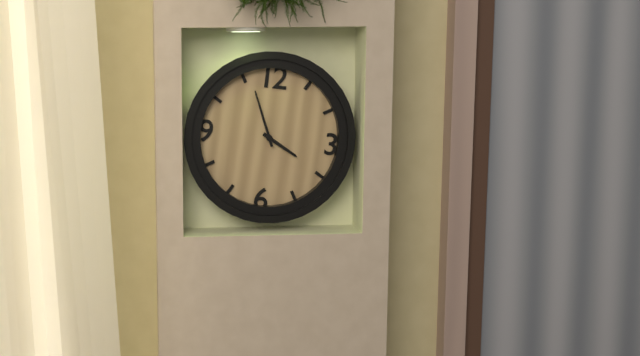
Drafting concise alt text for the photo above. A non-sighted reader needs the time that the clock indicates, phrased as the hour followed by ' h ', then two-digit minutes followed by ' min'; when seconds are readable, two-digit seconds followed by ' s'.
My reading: 3 h 56 min
